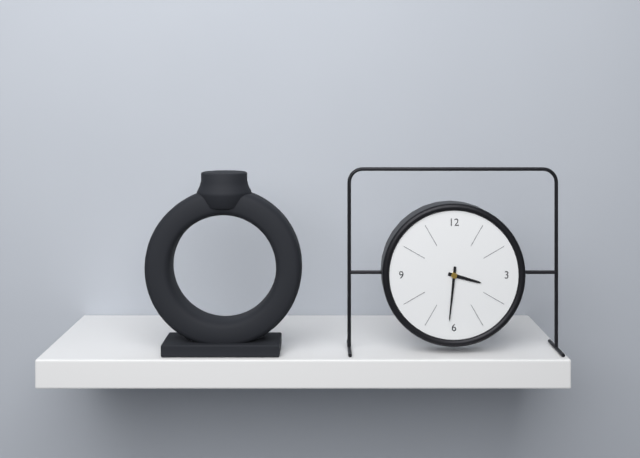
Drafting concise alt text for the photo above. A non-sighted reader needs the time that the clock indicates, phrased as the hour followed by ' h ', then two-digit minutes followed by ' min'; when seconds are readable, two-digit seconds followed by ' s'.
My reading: 3 h 31 min
